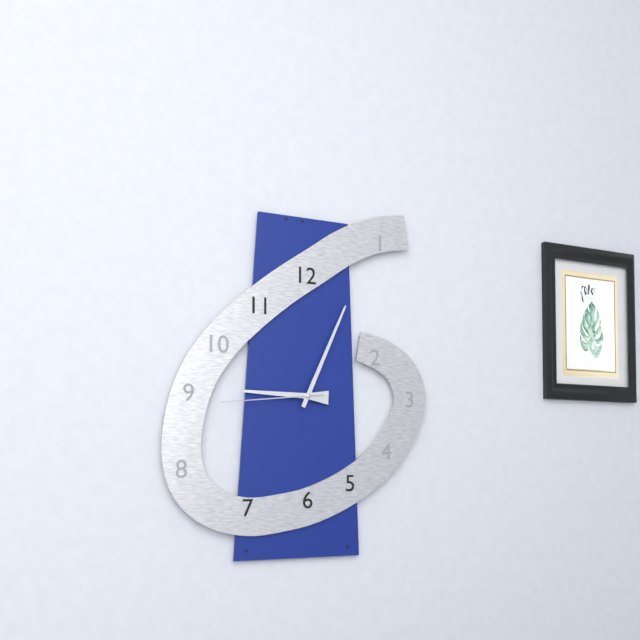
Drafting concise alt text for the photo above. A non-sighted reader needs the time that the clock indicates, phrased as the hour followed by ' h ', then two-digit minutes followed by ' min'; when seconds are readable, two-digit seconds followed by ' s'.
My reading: 9 h 04 min 44 s
